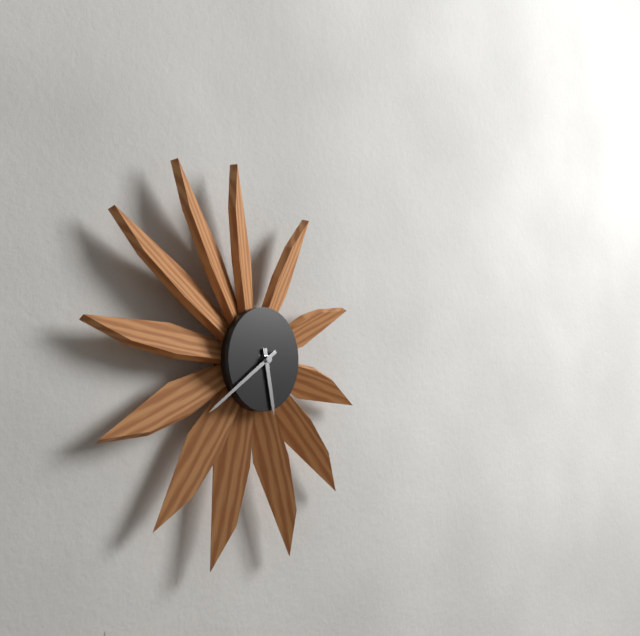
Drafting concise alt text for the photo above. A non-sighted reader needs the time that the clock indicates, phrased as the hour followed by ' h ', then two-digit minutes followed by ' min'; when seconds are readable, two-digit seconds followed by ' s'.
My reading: 5 h 39 min
